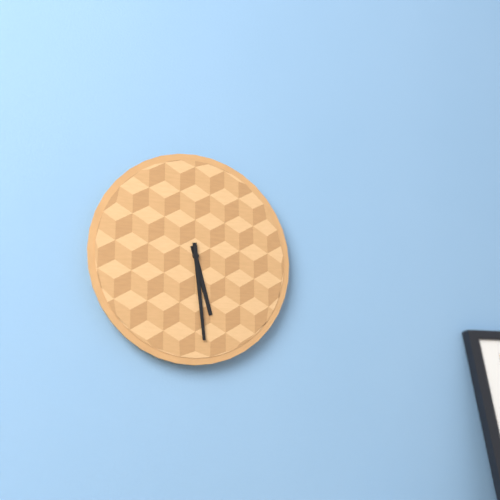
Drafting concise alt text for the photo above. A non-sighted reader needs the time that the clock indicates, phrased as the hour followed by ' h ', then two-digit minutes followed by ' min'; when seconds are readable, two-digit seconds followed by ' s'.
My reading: 5 h 29 min
